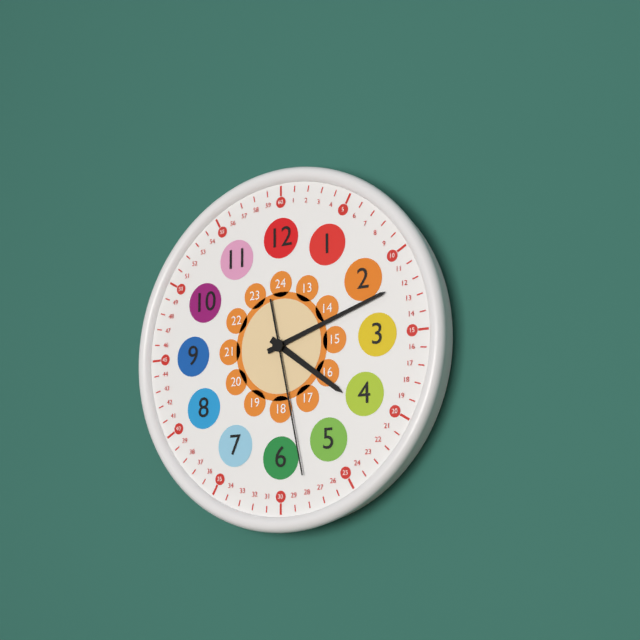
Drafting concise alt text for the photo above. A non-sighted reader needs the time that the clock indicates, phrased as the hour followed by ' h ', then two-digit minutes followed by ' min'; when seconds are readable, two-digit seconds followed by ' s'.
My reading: 4 h 12 min 28 s
